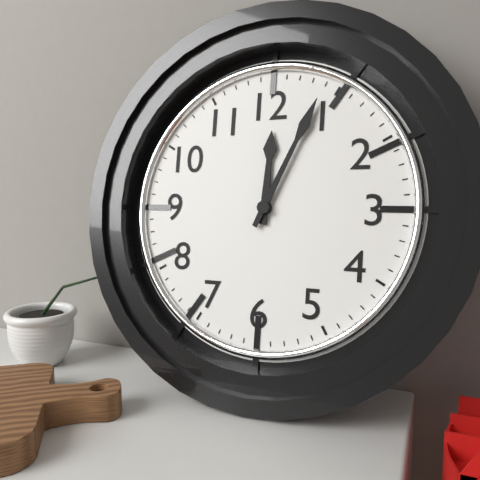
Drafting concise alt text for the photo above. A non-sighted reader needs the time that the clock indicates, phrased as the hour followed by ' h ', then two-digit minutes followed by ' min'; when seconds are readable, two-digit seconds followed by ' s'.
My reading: 12 h 04 min
